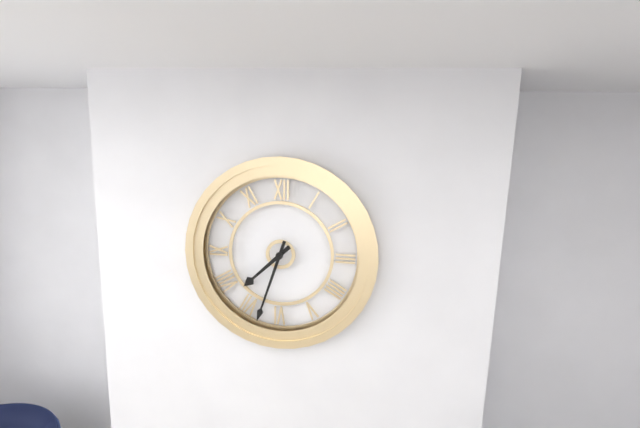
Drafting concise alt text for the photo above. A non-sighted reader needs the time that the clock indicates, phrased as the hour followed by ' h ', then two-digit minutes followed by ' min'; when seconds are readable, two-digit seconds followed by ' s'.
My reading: 7 h 33 min
